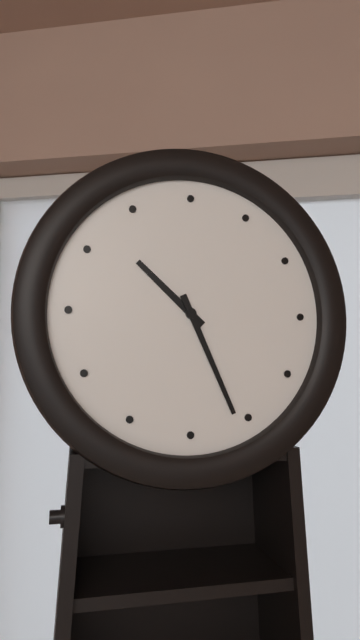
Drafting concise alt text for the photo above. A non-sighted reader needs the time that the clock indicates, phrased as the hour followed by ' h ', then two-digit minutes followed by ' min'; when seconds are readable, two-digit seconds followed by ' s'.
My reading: 10 h 26 min
